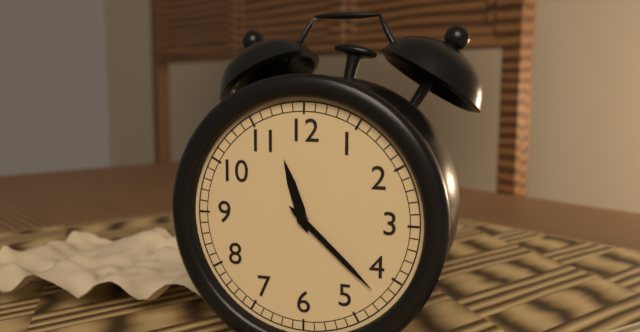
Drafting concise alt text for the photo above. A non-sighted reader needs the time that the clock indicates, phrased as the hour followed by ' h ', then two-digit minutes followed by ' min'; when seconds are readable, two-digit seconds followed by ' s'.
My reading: 11 h 22 min
